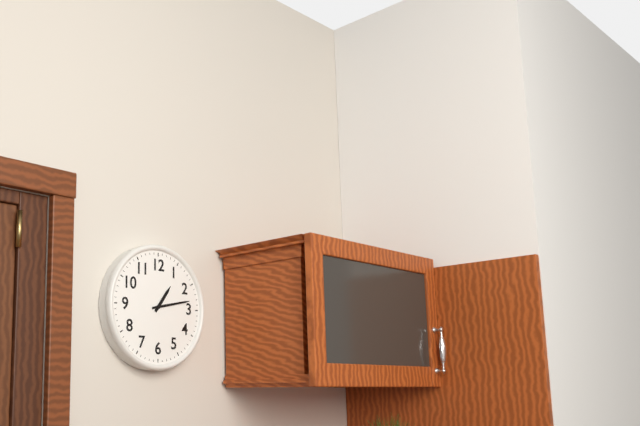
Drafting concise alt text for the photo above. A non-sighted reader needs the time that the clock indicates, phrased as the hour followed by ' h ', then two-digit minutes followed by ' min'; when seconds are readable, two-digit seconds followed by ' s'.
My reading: 1 h 13 min
